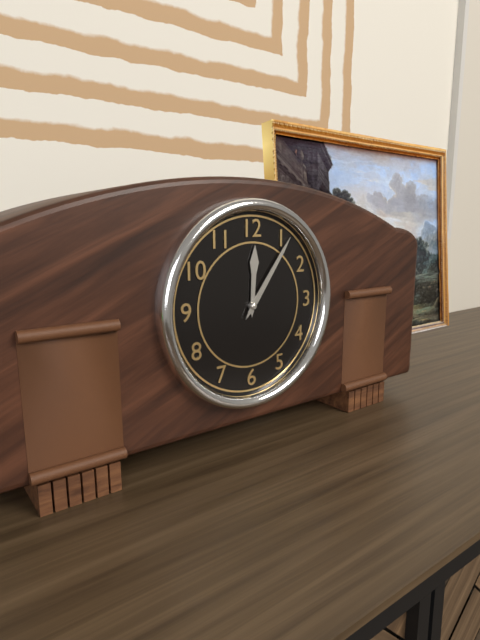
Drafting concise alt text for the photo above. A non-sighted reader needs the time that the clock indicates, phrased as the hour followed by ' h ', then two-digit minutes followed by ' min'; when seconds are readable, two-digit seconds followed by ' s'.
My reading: 12 h 06 min
